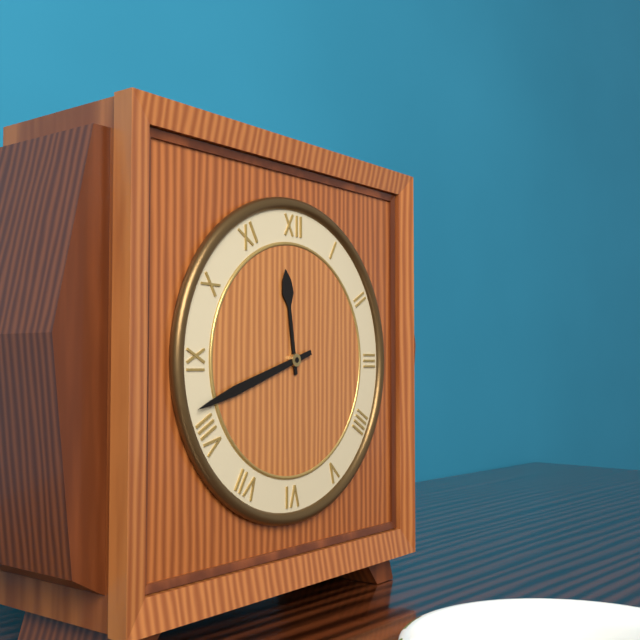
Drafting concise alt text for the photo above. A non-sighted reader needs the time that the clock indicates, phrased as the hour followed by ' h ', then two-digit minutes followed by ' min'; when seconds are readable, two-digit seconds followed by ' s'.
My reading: 11 h 42 min
